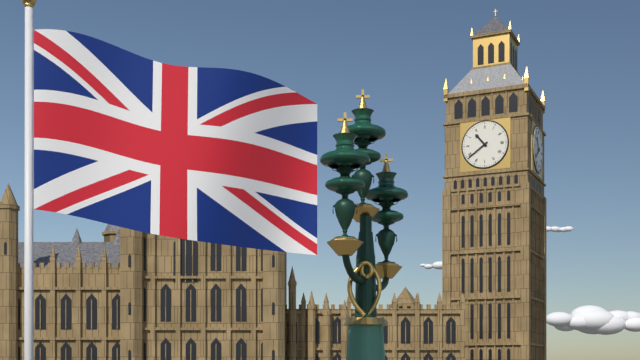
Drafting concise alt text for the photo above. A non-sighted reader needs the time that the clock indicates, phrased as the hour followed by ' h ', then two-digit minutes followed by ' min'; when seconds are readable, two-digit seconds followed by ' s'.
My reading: 10 h 39 min
